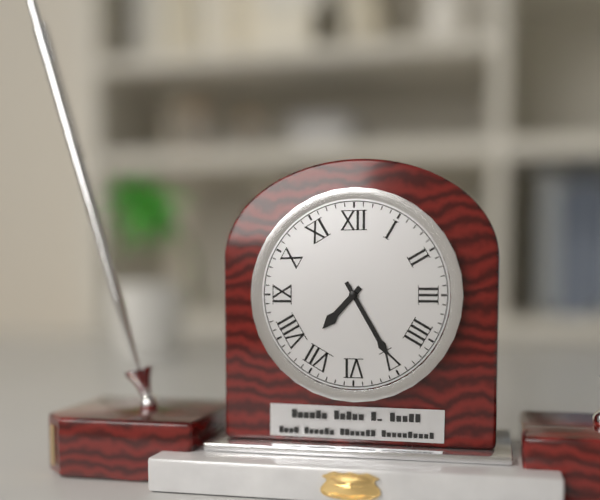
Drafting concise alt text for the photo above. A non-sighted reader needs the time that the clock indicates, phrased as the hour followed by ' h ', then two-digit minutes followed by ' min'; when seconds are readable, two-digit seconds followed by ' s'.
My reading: 7 h 25 min
